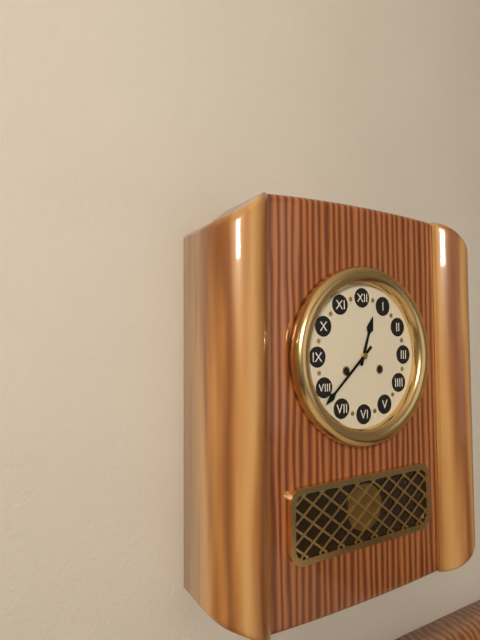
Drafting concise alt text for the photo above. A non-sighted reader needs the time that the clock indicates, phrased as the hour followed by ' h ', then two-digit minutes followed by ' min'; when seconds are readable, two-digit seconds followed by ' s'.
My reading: 12 h 38 min
